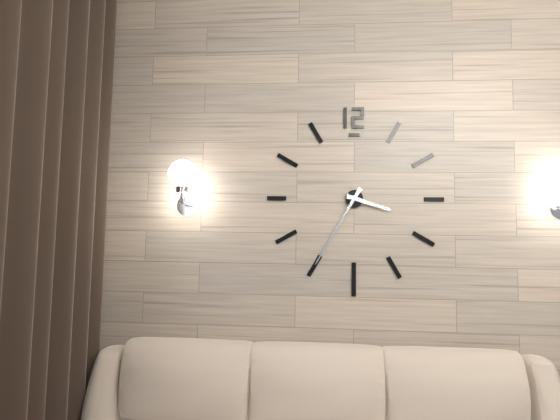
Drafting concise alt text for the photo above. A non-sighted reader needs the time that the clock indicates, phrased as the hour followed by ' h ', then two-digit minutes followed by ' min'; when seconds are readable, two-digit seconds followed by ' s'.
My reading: 3 h 35 min
